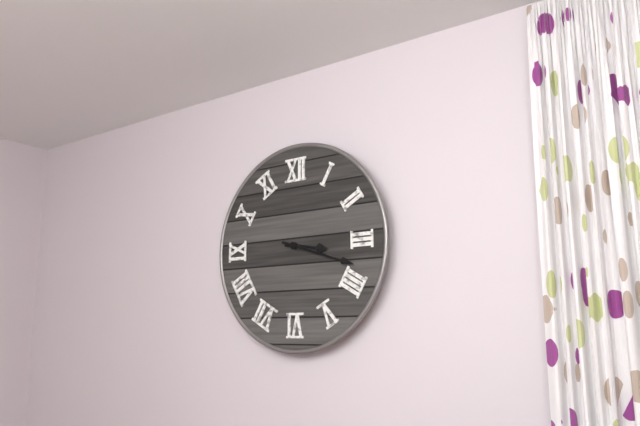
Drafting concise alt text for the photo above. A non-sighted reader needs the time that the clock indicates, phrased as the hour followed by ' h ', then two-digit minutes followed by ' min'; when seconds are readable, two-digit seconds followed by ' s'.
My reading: 3 h 18 min
